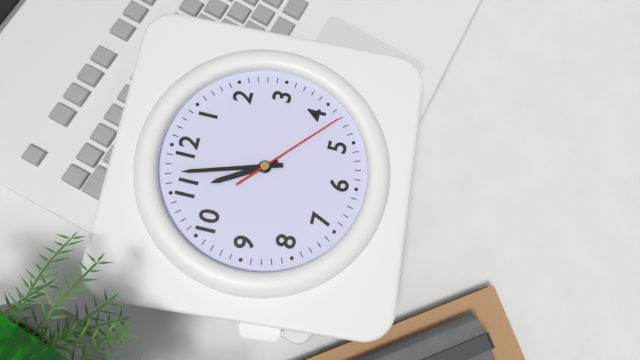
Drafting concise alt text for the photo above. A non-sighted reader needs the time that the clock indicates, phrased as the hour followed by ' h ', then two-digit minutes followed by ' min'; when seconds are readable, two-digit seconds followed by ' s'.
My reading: 10 h 57 min 22 s
